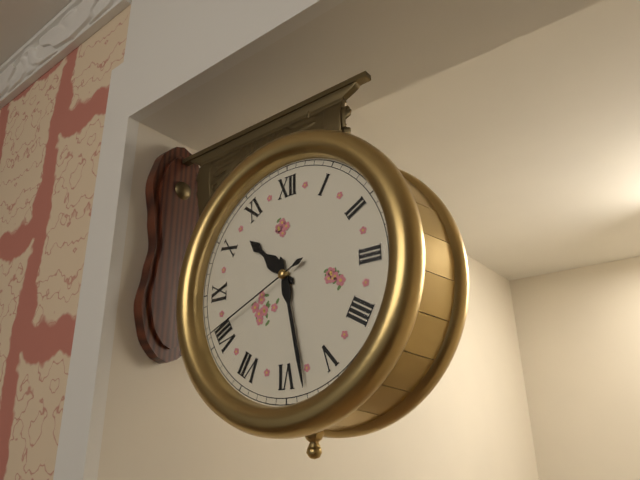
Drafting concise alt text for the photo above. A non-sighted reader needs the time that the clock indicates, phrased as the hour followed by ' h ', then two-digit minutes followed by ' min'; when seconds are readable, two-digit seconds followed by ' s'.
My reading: 10 h 28 min 41 s
